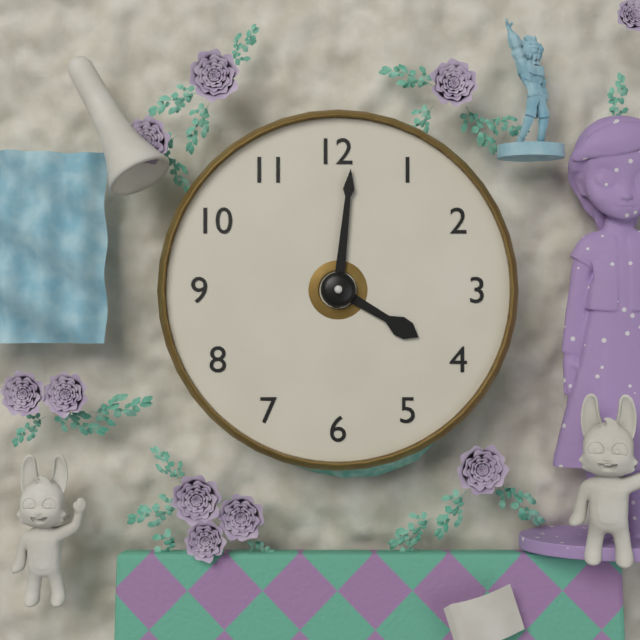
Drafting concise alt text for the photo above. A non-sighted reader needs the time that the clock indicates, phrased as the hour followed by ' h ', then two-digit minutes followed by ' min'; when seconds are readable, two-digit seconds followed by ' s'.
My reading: 4 h 01 min
